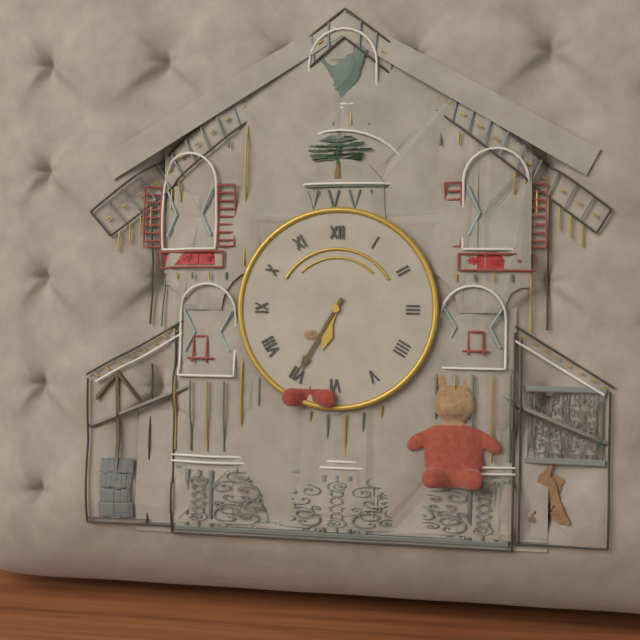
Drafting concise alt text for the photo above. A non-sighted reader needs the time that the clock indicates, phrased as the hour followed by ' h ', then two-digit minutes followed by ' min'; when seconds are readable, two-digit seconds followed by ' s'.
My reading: 6 h 35 min
